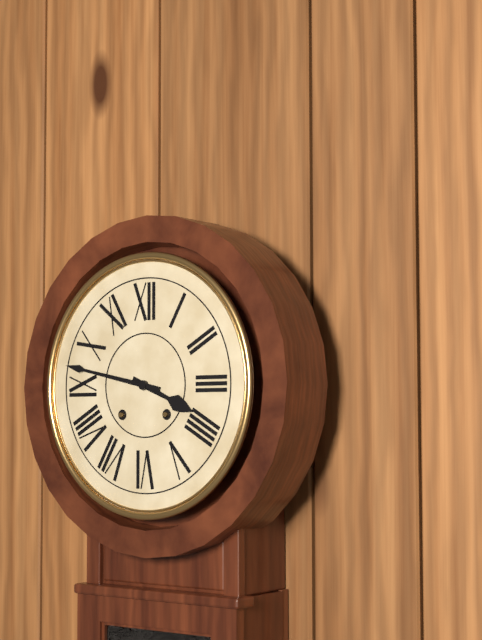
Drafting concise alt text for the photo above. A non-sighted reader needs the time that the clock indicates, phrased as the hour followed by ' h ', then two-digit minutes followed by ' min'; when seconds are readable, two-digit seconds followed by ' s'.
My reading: 3 h 47 min
